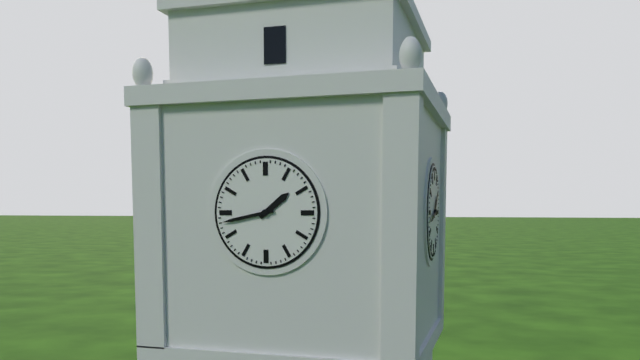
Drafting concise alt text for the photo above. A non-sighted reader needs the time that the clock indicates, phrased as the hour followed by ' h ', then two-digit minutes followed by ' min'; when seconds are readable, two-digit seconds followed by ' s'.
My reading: 1 h 43 min
